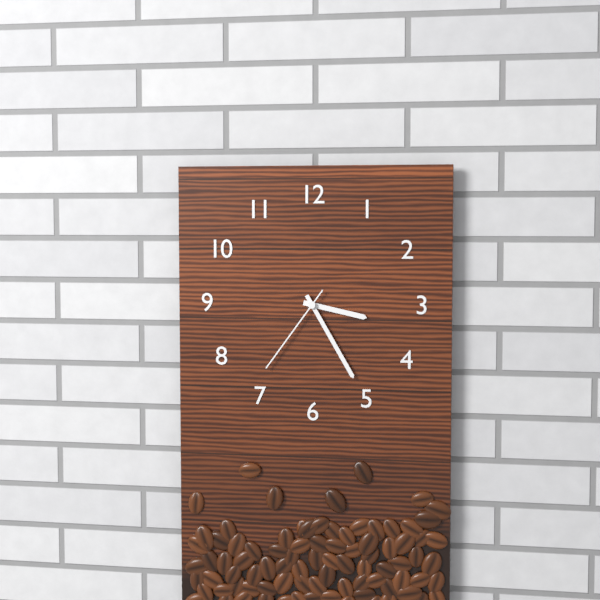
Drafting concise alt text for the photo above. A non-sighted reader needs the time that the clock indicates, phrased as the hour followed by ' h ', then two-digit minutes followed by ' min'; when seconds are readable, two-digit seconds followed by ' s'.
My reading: 3 h 25 min 36 s
